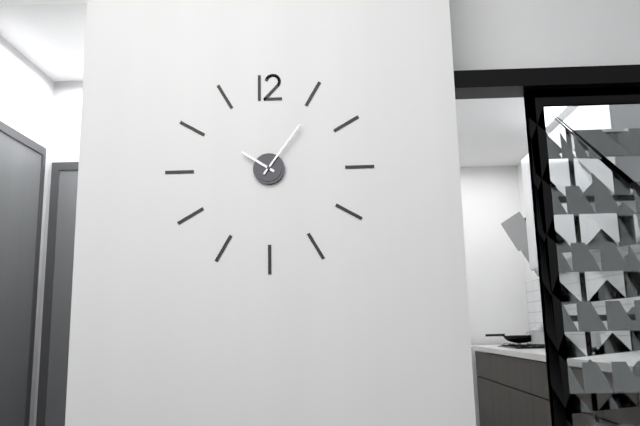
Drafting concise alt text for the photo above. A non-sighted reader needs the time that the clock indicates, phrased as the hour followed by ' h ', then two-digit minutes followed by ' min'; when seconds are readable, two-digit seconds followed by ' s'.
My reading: 10 h 06 min
